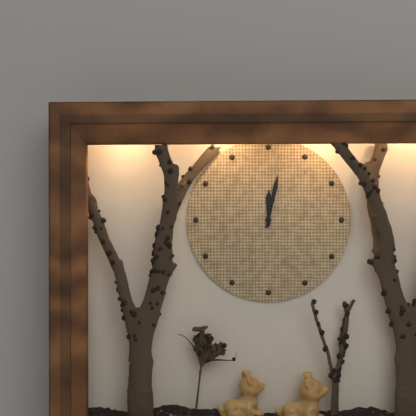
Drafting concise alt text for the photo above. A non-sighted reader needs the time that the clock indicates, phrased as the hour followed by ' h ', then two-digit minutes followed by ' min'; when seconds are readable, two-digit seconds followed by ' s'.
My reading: 12 h 02 min
